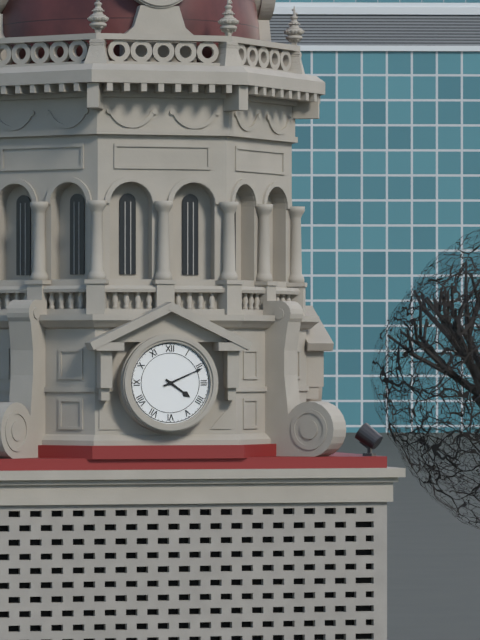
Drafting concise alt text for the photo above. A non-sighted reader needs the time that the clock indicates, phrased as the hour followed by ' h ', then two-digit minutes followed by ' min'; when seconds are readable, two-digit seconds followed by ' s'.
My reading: 4 h 11 min
